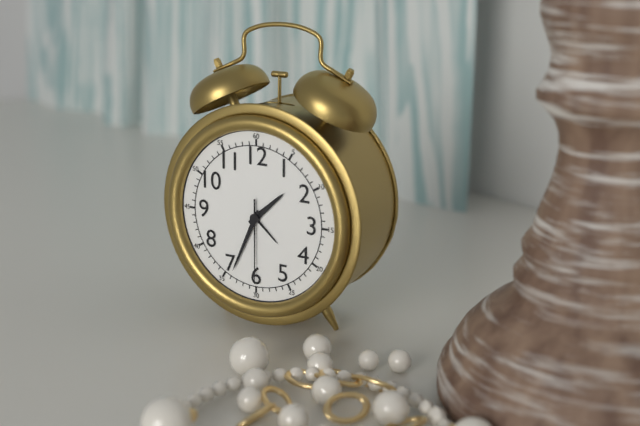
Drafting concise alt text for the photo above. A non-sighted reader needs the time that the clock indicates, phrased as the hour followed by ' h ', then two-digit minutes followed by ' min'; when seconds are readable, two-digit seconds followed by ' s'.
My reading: 1 h 34 min 30 s
